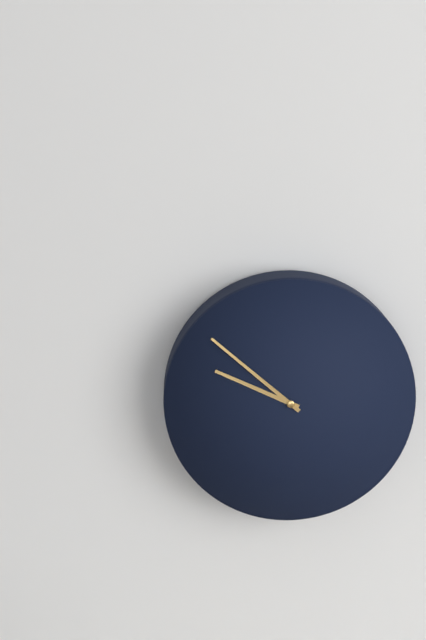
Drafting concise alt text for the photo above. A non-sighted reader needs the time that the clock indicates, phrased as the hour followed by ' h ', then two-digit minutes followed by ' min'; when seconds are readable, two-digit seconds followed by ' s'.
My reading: 9 h 52 min
